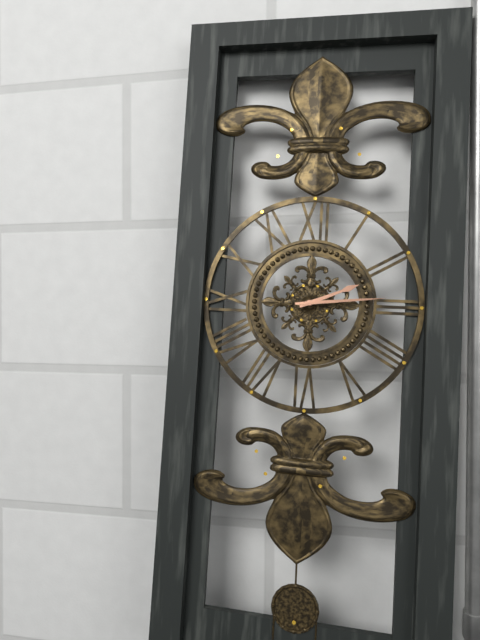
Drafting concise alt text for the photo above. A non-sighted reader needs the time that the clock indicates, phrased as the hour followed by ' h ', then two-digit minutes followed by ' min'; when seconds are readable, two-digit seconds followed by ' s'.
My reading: 2 h 14 min
